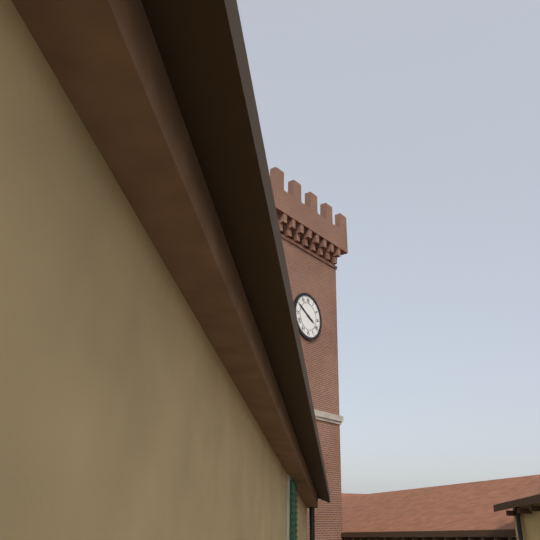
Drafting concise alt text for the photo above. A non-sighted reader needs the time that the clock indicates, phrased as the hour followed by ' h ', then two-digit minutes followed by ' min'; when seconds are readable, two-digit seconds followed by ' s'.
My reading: 3 h 50 min
